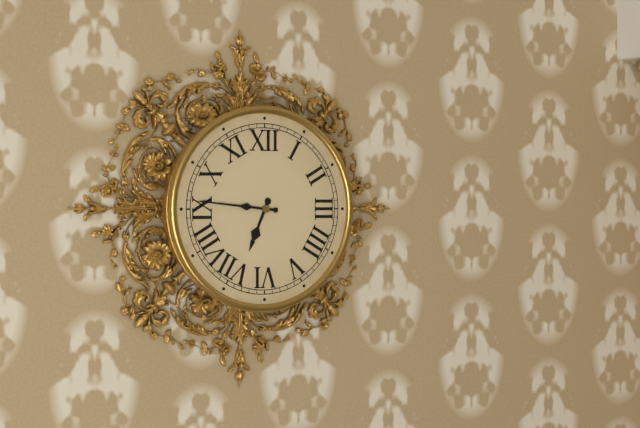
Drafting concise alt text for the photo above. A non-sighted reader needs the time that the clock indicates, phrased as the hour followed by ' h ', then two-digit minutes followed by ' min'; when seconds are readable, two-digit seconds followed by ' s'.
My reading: 6 h 46 min
